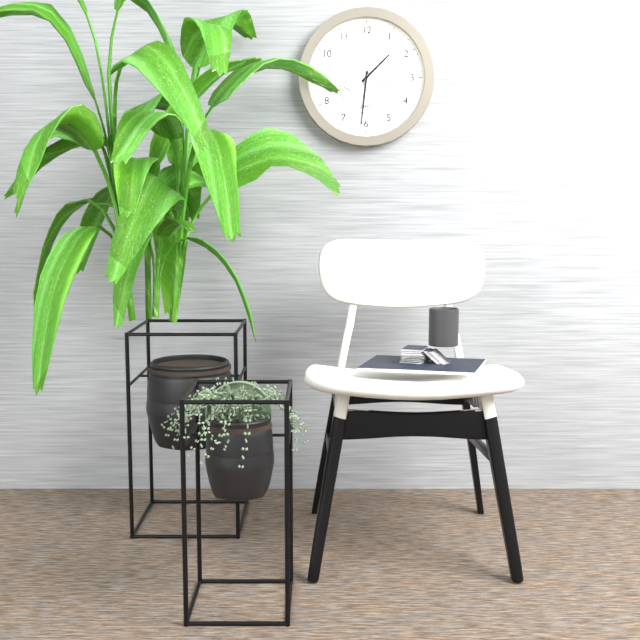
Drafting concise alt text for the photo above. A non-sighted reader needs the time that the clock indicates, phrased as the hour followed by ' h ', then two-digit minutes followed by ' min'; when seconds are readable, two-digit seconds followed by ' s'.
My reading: 1 h 31 min 04 s
